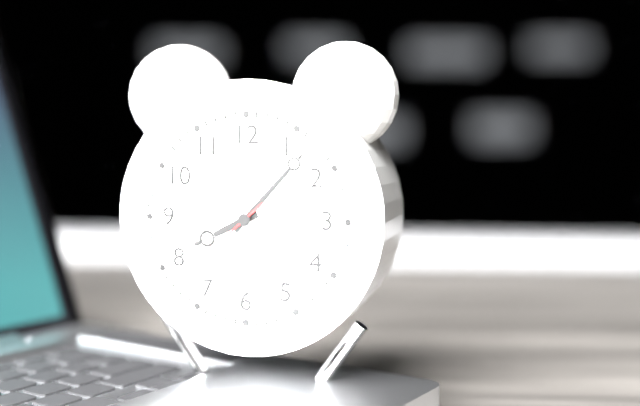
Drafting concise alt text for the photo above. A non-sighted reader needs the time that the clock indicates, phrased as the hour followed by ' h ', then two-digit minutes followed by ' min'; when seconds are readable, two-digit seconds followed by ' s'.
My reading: 8 h 07 min 38 s
